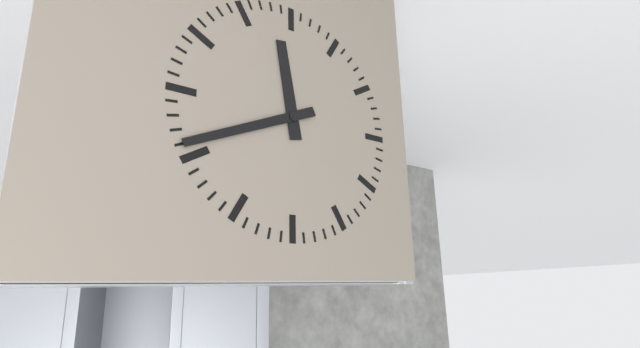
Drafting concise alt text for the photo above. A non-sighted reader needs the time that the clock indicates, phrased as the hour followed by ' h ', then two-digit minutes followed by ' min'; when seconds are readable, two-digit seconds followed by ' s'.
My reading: 11 h 41 min
